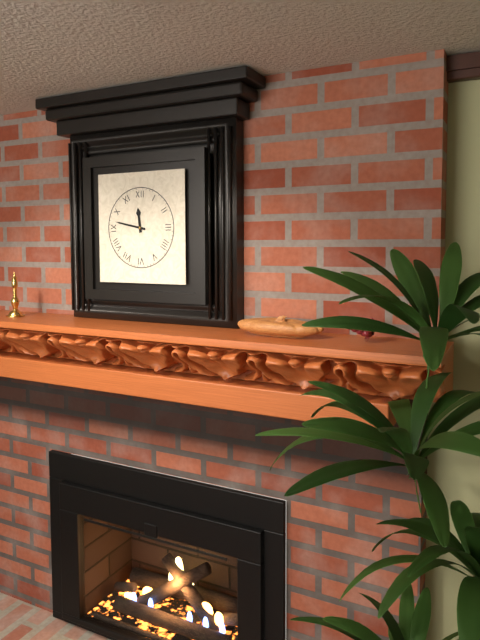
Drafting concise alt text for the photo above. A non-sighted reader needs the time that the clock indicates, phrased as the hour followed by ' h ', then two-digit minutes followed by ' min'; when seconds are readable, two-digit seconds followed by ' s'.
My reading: 11 h 47 min
